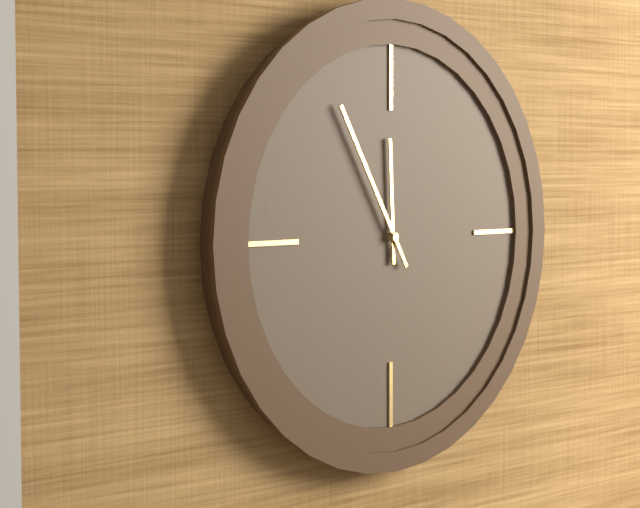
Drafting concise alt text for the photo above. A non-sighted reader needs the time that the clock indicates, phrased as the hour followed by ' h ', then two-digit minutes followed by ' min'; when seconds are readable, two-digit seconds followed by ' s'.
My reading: 11 h 55 min
